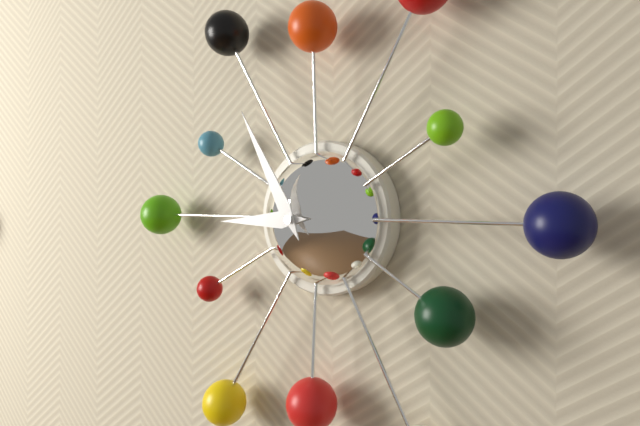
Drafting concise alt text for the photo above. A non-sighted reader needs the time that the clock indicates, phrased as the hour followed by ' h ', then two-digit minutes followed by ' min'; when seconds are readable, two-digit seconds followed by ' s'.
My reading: 8 h 55 min
